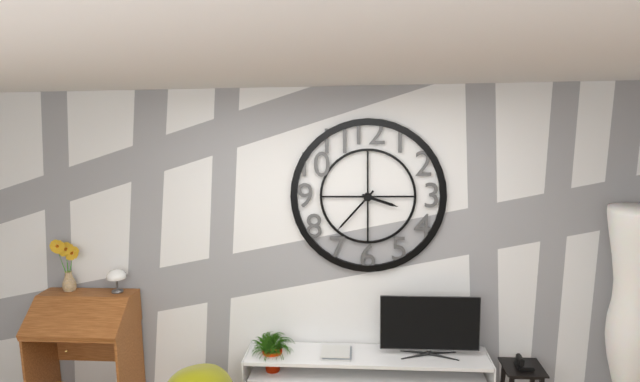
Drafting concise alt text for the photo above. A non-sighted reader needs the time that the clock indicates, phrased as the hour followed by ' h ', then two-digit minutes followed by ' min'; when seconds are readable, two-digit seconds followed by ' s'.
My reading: 3 h 37 min
